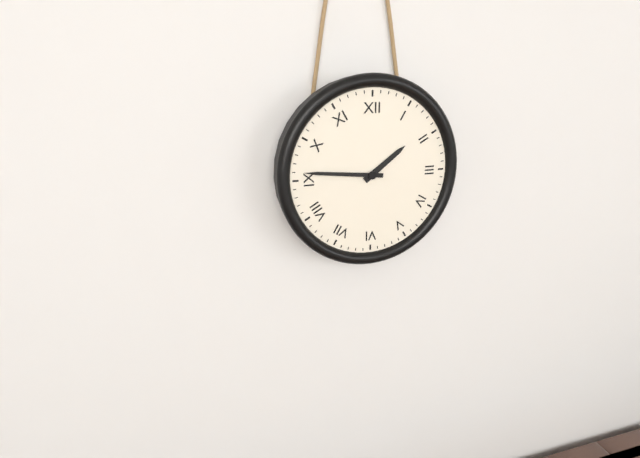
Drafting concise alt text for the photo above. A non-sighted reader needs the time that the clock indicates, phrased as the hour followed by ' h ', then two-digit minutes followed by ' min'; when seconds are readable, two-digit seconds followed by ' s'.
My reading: 1 h 46 min
